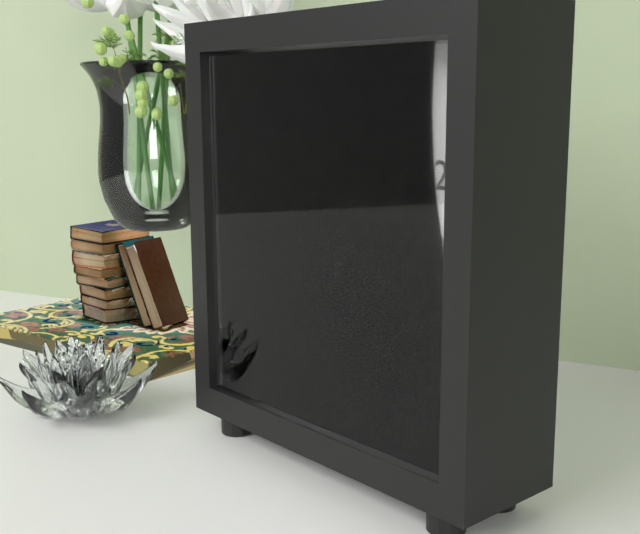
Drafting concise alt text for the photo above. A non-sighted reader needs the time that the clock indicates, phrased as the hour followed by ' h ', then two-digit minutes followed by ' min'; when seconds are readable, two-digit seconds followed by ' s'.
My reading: 7 h 46 min
